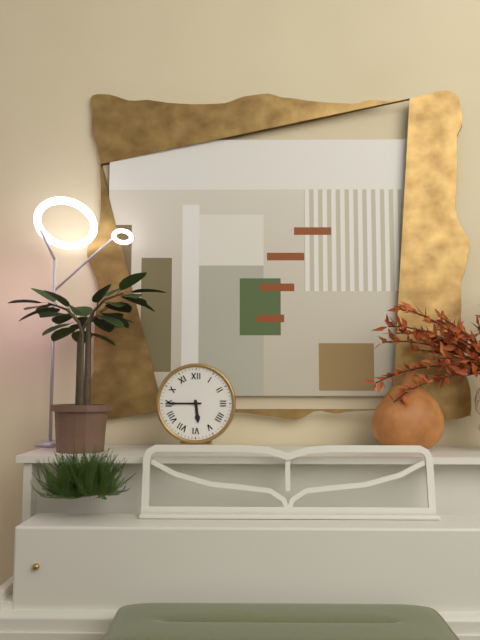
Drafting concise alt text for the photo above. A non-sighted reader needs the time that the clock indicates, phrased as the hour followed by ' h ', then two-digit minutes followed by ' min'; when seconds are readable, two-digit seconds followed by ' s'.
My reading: 5 h 45 min
